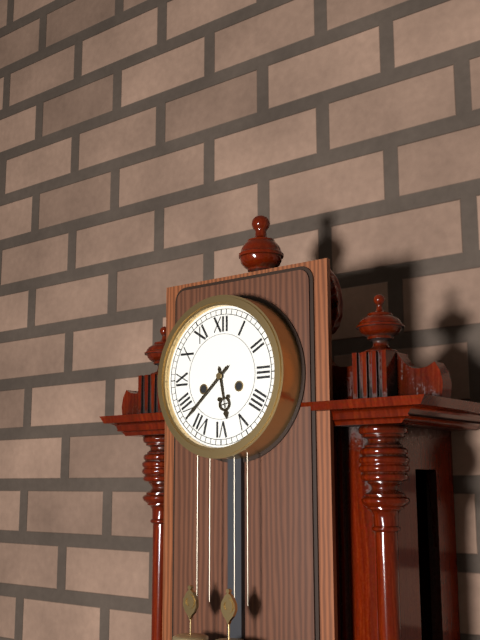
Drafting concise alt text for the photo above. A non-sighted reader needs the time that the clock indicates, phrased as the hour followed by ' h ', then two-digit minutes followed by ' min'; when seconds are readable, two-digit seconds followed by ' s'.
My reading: 5 h 38 min
